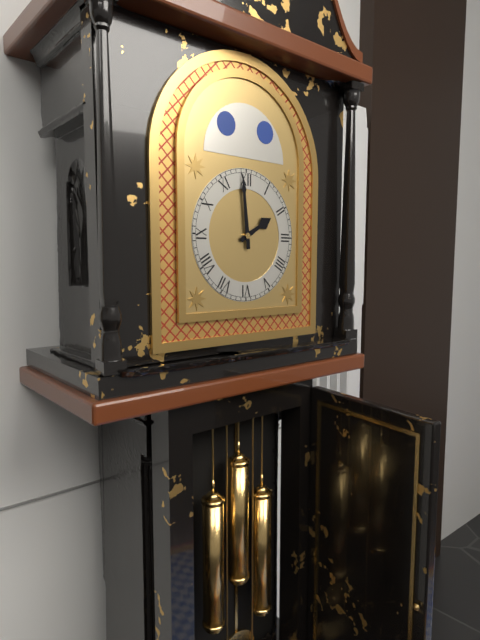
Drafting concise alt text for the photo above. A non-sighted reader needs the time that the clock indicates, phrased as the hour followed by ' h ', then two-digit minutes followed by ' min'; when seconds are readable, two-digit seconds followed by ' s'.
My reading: 1 h 59 min
